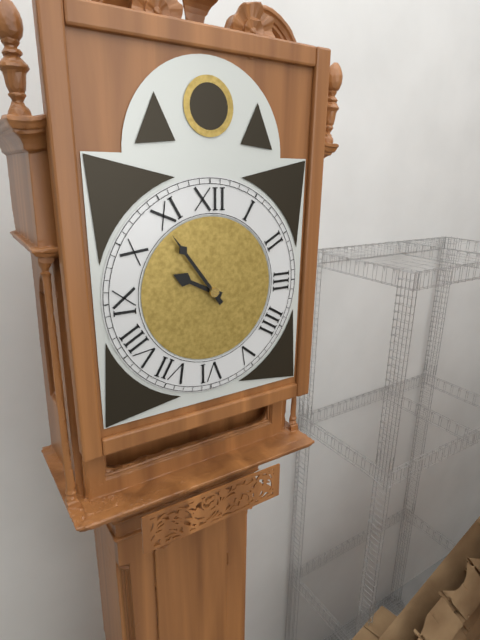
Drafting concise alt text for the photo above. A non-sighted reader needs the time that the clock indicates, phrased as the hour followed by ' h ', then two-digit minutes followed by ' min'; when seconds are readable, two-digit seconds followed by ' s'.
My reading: 9 h 54 min
